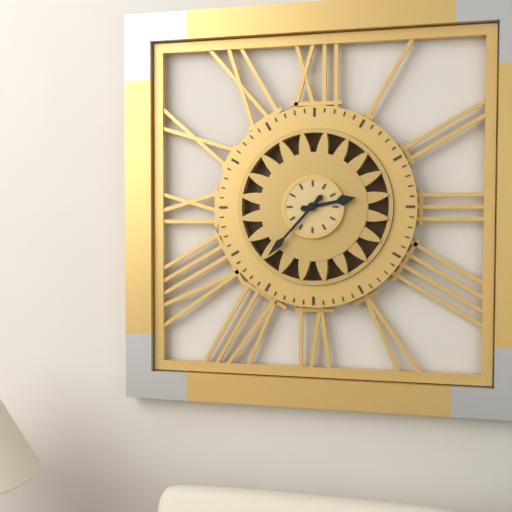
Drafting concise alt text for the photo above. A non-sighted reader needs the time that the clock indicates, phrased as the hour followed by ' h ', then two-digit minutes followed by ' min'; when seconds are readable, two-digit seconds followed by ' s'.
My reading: 2 h 37 min
